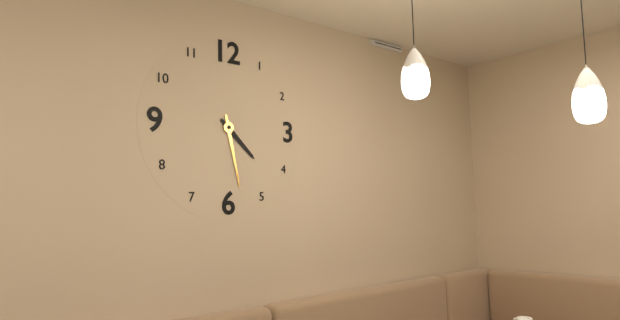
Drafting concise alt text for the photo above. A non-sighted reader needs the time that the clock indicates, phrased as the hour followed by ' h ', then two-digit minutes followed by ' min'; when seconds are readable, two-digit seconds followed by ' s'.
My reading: 4 h 28 min
